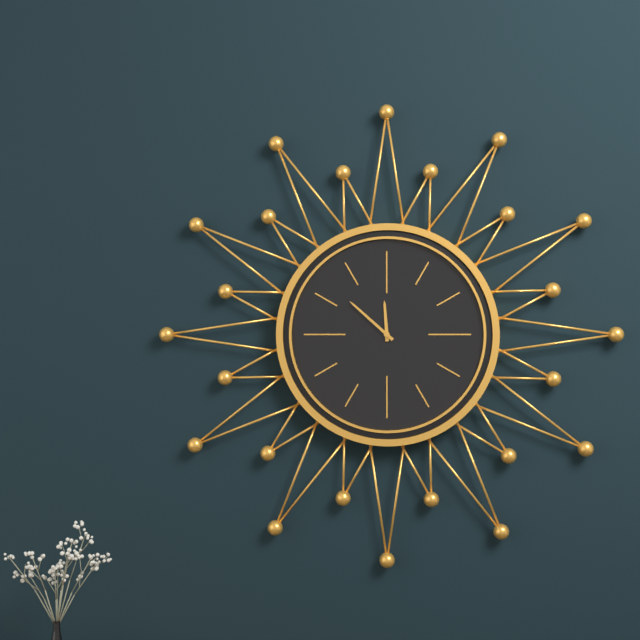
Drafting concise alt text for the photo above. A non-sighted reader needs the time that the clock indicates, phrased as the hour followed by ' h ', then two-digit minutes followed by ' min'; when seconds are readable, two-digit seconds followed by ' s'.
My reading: 11 h 52 min
